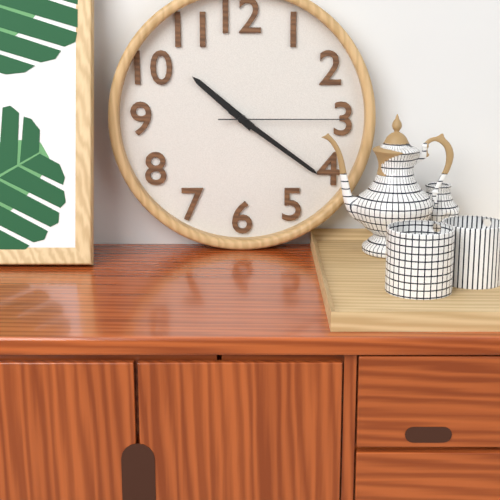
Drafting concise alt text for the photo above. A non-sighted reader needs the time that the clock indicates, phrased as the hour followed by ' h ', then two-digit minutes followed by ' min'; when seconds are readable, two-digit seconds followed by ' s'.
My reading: 10 h 21 min 15 s
